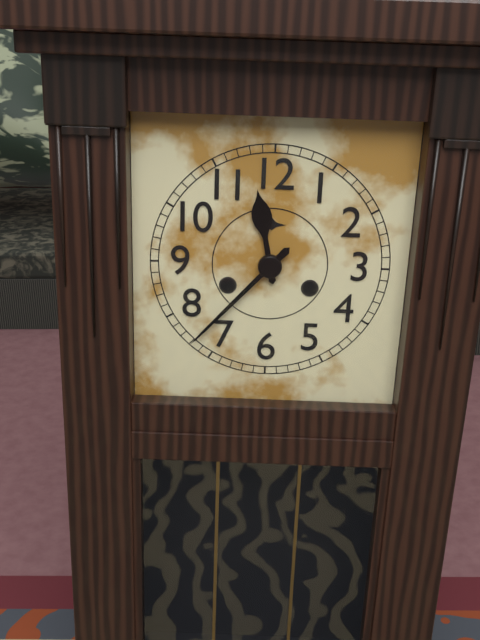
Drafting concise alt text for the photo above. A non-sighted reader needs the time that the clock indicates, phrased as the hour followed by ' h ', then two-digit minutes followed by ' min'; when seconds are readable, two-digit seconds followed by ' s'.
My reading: 11 h 37 min
